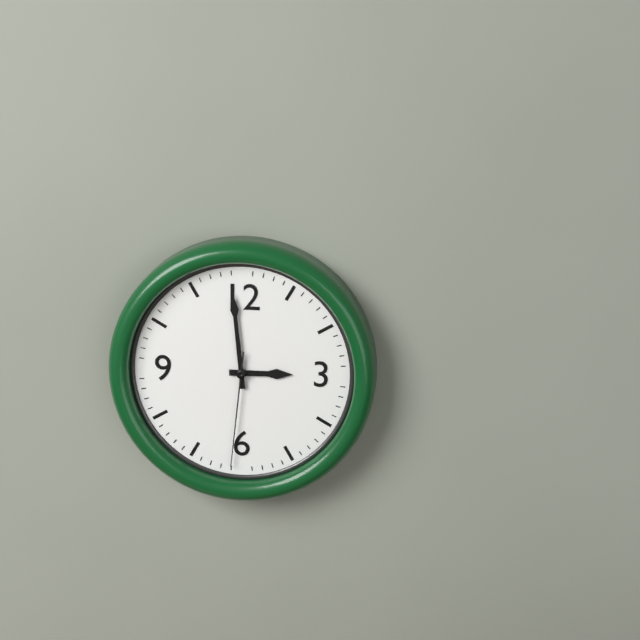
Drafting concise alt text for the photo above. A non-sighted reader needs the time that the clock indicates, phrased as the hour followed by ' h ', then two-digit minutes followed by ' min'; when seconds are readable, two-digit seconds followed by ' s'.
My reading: 2 h 59 min 31 s
